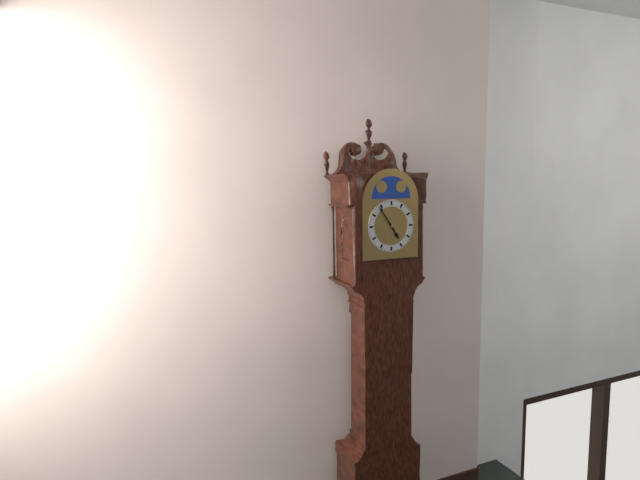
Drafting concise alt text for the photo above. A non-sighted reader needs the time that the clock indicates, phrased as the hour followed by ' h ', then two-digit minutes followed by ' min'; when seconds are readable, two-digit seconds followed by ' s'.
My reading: 4 h 54 min
